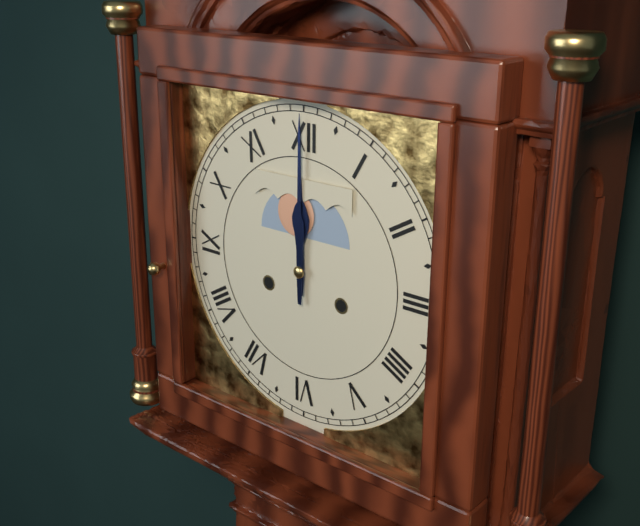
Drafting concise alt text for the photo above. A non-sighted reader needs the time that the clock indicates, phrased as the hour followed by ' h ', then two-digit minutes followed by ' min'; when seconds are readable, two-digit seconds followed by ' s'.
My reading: 12 h 00 min
